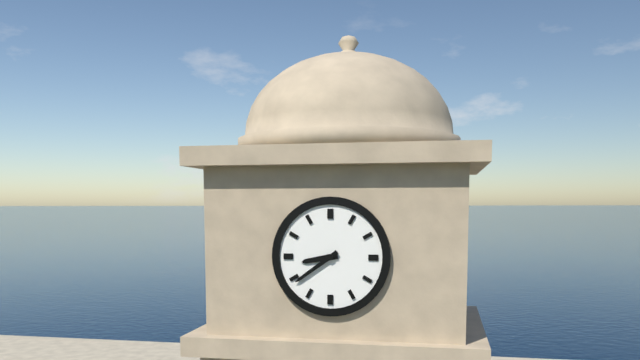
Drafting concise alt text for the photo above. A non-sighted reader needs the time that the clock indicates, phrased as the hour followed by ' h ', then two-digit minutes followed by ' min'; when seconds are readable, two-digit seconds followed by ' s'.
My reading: 8 h 39 min
